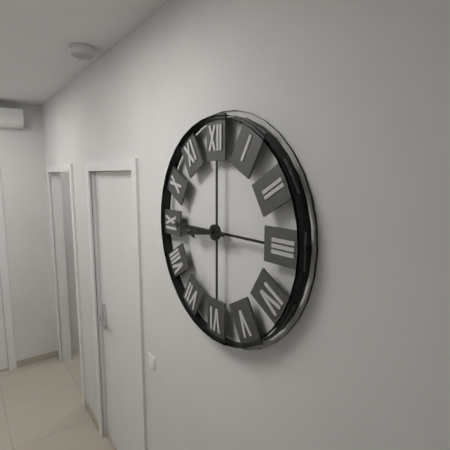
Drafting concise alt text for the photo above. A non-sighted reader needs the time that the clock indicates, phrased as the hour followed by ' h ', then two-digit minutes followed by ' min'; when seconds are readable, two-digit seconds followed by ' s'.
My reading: 8 h 45 min
